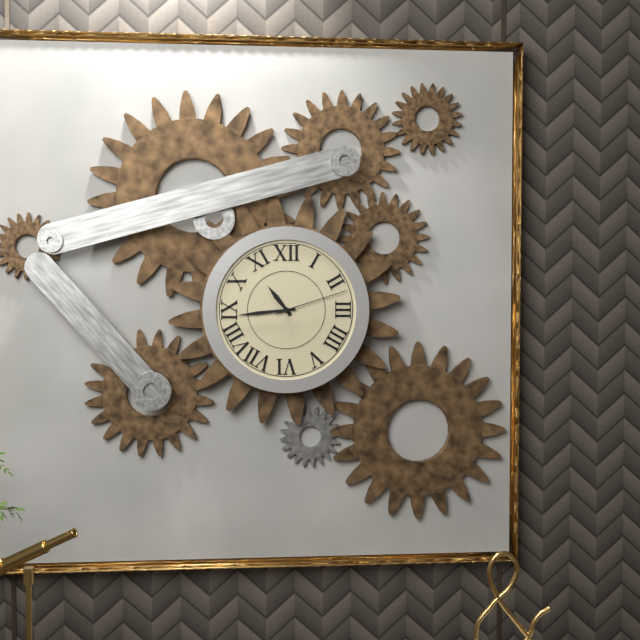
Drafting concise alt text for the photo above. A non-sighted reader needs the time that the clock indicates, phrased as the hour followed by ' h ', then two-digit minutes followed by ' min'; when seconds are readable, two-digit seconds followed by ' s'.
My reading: 10 h 44 min 12 s
